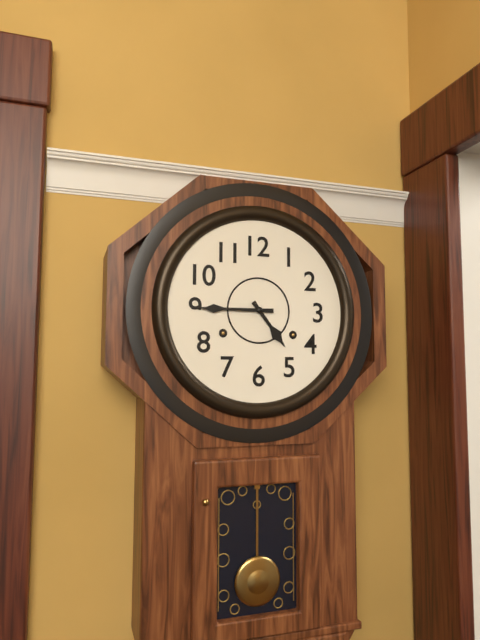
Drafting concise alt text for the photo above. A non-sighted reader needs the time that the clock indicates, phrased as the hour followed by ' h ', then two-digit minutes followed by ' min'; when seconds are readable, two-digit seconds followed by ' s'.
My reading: 4 h 45 min
